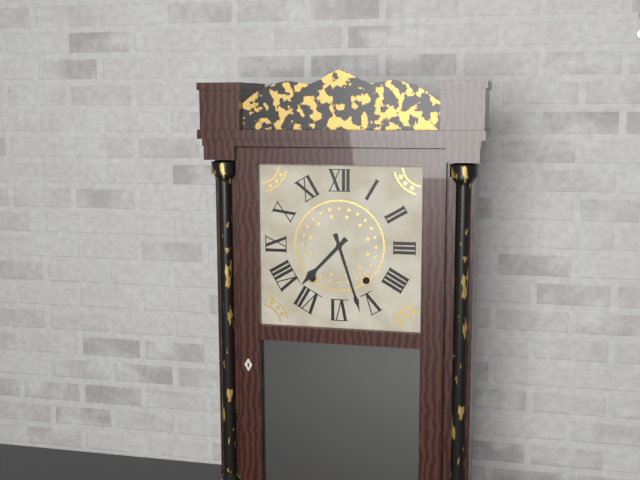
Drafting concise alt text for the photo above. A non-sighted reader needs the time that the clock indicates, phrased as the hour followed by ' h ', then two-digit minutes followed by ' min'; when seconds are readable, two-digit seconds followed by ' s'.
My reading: 7 h 27 min
